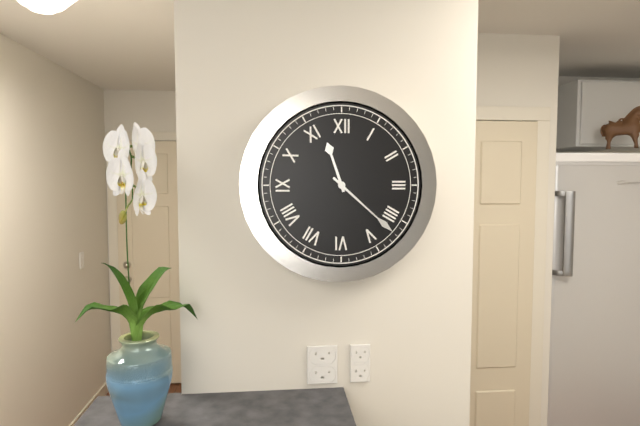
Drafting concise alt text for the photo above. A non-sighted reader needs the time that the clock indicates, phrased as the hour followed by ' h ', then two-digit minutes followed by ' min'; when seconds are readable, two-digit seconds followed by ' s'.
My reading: 11 h 22 min
